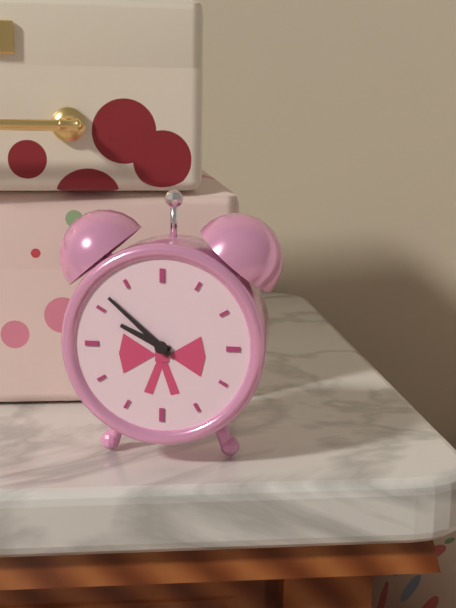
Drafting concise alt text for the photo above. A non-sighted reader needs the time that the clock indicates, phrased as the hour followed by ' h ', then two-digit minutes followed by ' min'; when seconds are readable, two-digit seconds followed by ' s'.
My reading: 9 h 52 min
